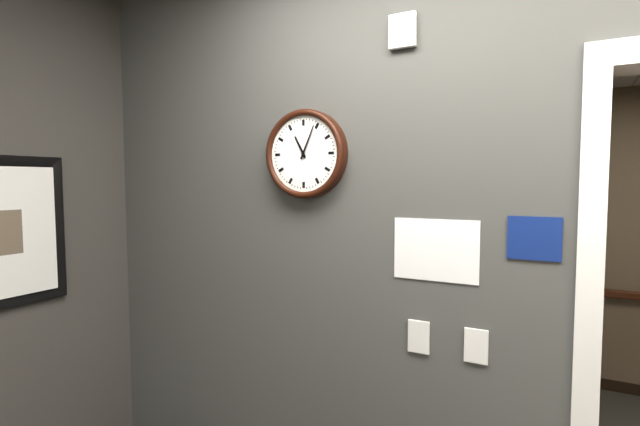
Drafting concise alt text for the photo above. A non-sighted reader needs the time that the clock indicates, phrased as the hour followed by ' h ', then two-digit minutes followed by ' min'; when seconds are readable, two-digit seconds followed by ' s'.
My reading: 11 h 04 min
